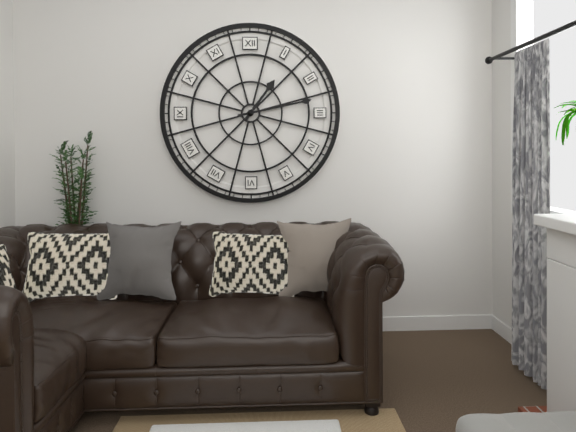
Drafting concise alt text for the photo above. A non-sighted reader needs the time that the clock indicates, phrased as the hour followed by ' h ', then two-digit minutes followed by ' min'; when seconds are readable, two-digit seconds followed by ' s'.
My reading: 1 h 13 min
